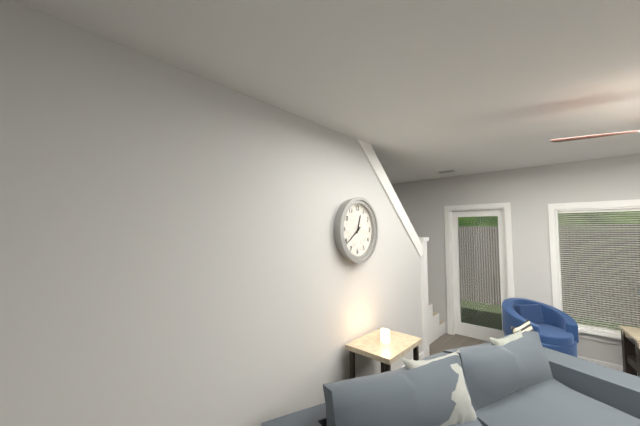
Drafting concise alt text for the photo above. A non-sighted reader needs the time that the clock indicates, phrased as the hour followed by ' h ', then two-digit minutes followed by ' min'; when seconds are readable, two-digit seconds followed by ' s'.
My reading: 12 h 39 min
